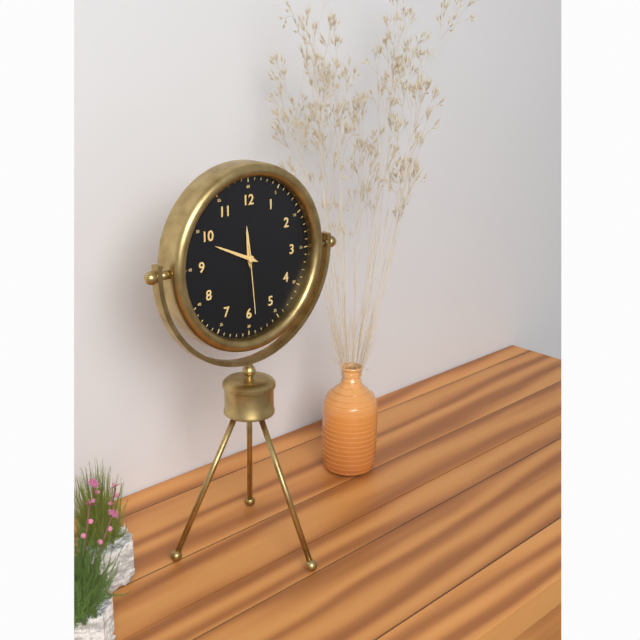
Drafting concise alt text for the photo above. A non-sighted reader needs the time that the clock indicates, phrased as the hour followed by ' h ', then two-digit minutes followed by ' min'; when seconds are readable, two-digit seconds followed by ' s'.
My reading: 11 h 49 min 29 s
